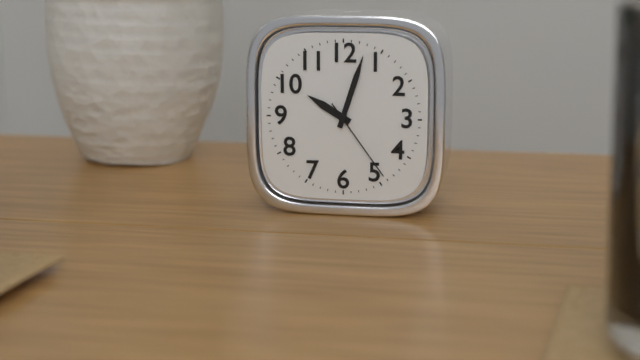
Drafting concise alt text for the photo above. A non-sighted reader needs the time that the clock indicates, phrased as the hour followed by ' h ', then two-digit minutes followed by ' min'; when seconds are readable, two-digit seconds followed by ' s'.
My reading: 10 h 03 min 24 s
